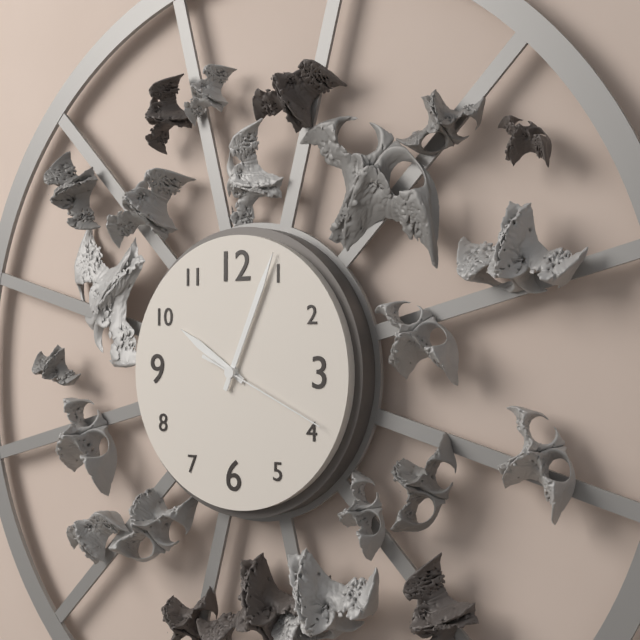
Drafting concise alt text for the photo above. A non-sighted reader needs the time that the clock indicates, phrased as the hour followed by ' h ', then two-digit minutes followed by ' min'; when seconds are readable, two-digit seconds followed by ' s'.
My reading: 10 h 04 min 19 s
